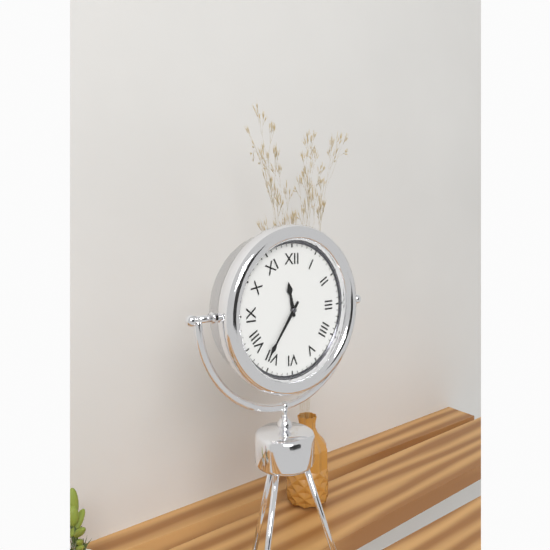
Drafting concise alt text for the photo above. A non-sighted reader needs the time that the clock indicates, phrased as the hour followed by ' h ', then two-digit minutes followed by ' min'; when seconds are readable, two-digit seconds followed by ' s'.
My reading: 11 h 36 min
